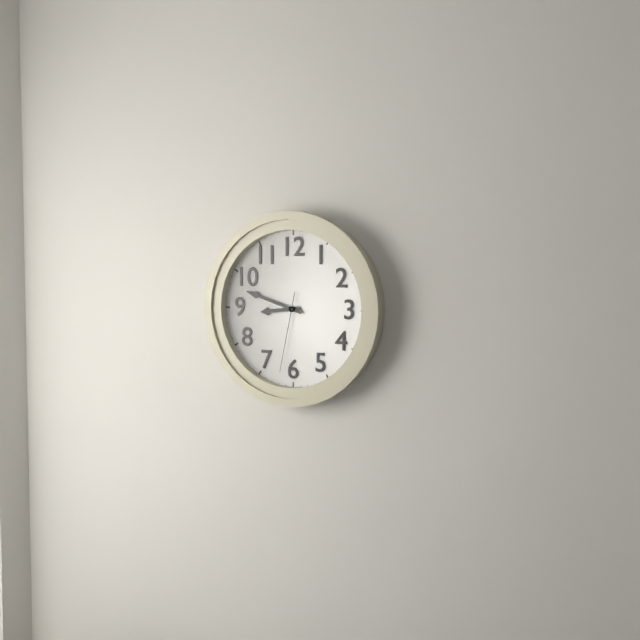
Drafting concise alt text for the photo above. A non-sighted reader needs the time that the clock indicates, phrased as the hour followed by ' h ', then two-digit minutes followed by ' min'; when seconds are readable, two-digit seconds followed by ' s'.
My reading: 8 h 48 min 32 s
